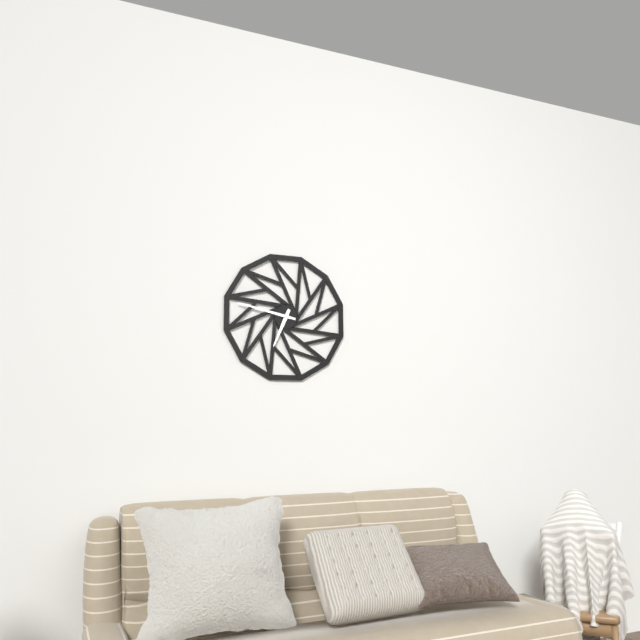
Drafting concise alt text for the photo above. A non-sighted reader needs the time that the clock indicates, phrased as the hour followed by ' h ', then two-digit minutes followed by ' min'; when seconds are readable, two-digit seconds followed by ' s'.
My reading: 6 h 47 min
